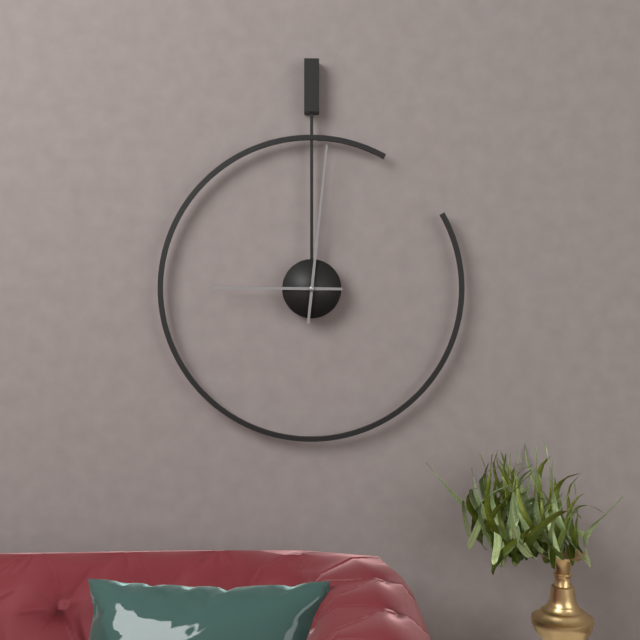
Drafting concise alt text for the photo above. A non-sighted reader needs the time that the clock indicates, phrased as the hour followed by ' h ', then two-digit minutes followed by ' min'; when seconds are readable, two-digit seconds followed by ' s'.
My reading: 9 h 01 min
